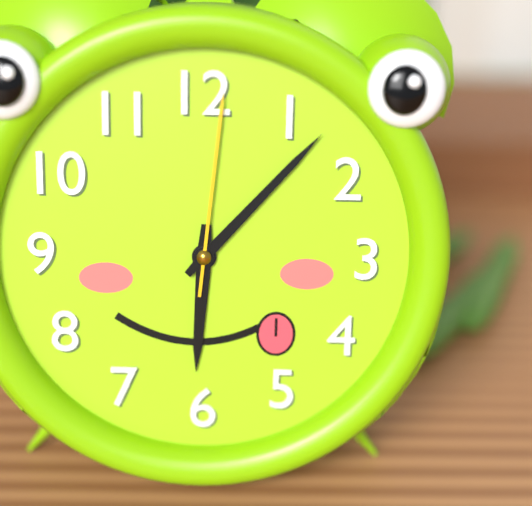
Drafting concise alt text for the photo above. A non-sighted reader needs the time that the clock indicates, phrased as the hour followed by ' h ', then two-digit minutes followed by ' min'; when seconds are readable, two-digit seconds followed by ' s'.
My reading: 6 h 07 min 01 s
